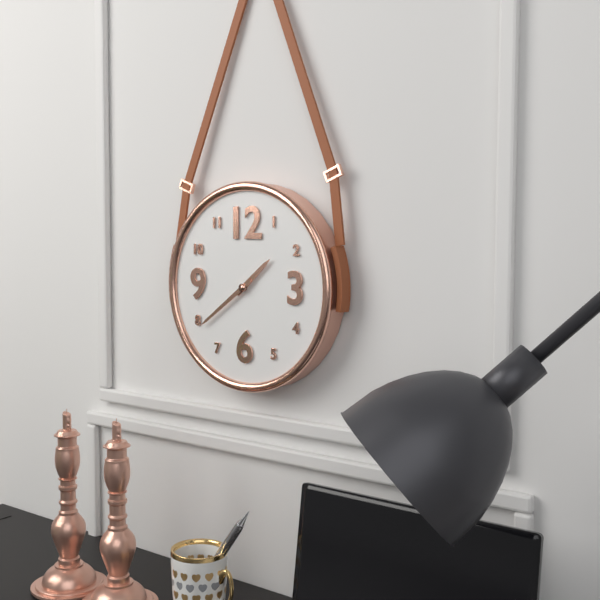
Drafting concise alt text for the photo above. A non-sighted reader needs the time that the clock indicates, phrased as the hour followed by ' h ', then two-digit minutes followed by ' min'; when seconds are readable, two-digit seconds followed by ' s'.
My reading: 1 h 39 min
